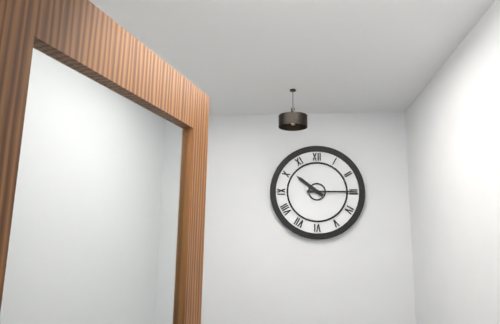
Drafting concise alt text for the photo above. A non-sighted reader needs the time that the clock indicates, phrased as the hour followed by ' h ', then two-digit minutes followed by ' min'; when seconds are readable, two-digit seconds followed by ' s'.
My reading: 10 h 15 min
